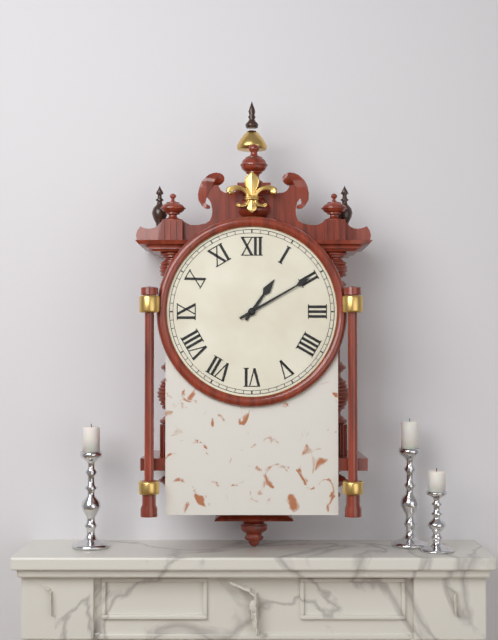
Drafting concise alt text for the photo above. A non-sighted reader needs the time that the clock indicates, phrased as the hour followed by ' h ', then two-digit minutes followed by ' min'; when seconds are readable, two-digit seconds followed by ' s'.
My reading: 1 h 10 min
